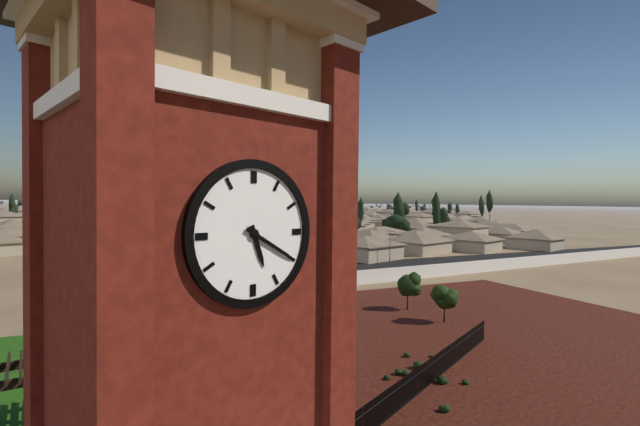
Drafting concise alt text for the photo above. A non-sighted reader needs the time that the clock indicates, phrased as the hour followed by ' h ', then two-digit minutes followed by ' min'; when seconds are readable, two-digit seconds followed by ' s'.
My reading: 5 h 20 min
